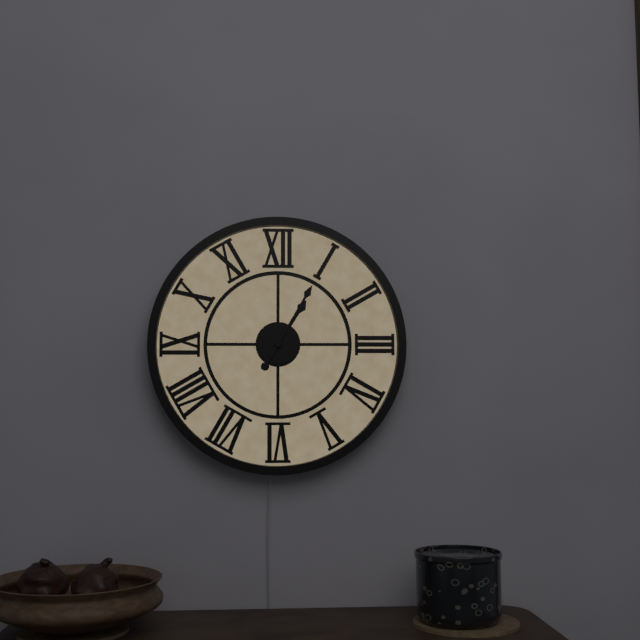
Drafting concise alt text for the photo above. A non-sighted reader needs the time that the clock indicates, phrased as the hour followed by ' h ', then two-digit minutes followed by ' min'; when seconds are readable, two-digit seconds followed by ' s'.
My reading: 1 h 05 min
